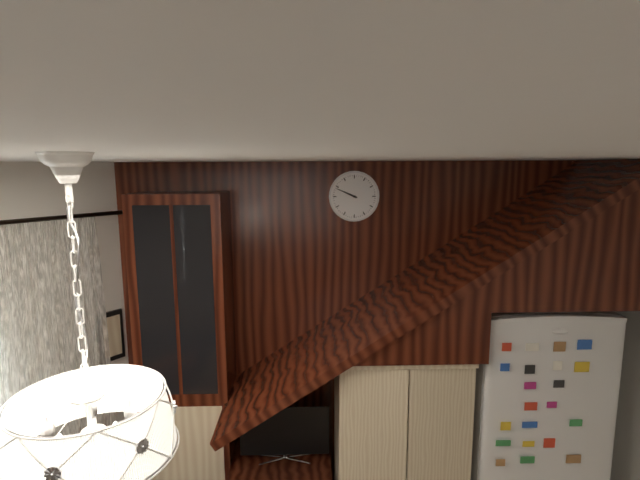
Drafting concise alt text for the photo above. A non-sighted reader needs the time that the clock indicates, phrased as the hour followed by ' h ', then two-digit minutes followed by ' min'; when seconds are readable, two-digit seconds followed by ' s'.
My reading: 9 h 49 min
